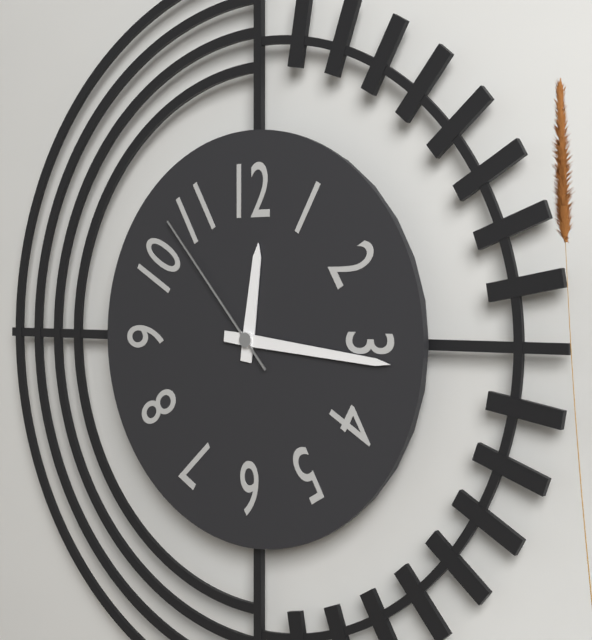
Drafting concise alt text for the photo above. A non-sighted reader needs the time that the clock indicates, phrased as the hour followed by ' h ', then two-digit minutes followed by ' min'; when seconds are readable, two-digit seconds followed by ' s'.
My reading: 12 h 16 min 53 s
